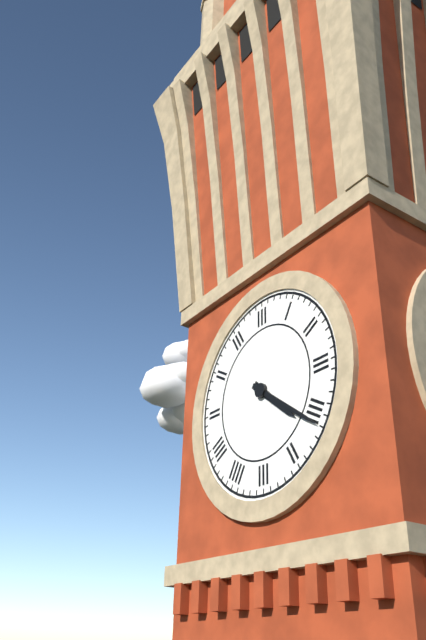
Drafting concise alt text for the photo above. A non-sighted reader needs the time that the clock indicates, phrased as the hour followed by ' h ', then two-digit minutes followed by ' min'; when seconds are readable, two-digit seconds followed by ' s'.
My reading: 4 h 21 min
